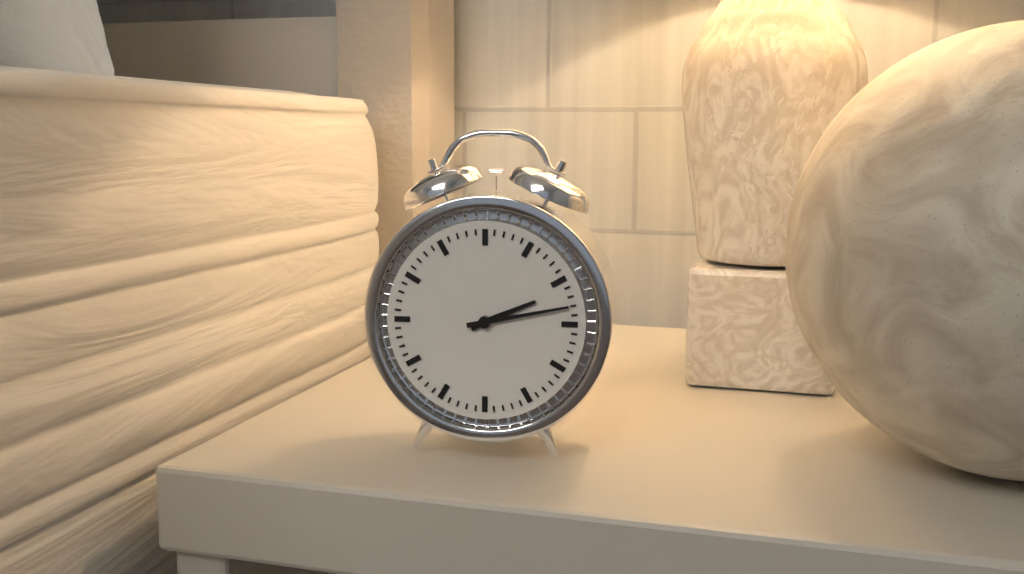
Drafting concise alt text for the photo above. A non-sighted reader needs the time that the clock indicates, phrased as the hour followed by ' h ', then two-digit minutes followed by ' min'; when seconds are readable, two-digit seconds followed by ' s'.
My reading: 2 h 13 min
